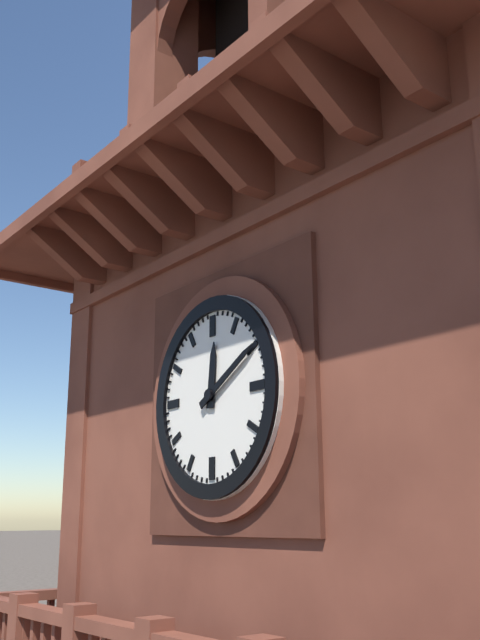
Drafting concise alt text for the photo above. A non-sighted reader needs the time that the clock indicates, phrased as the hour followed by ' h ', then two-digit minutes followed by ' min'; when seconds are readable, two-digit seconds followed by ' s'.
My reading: 12 h 10 min
